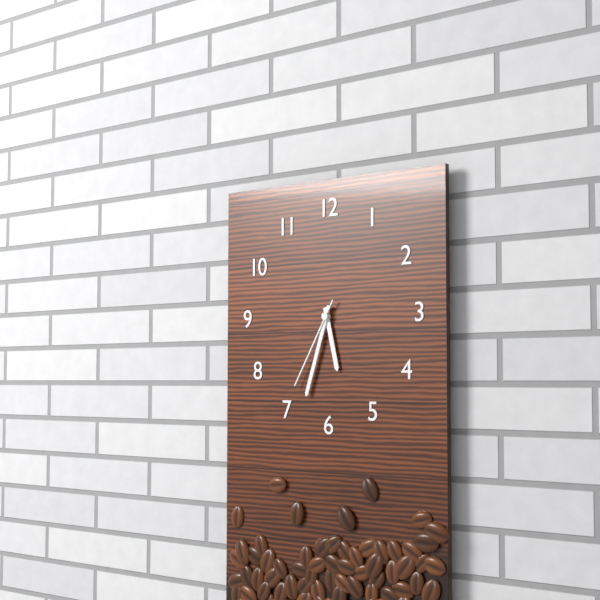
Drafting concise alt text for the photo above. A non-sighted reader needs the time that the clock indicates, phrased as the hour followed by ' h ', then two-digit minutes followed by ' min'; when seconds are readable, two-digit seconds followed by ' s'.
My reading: 5 h 33 min 35 s
